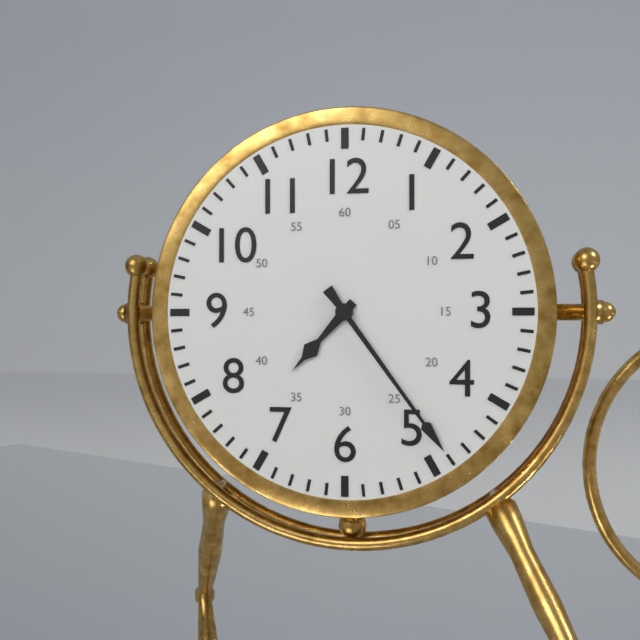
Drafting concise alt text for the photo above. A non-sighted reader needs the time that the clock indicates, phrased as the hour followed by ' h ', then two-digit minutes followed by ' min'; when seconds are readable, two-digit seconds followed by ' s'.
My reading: 7 h 24 min
